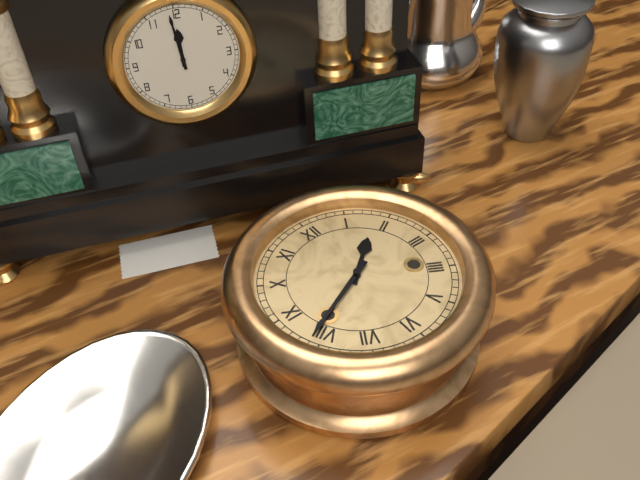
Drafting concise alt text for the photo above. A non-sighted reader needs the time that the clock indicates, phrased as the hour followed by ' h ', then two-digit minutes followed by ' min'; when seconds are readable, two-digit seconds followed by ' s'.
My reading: 1 h 41 min
